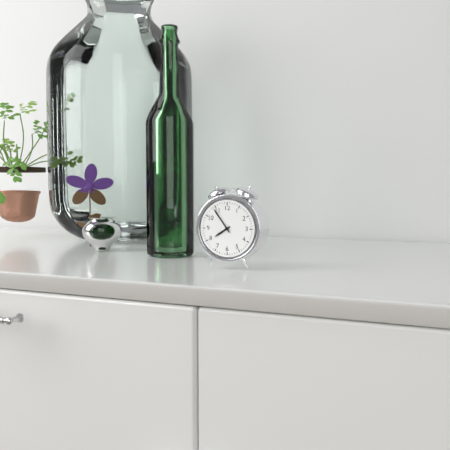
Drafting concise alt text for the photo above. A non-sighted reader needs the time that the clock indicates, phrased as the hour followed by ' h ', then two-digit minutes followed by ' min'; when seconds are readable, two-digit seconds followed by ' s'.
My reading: 7 h 54 min
